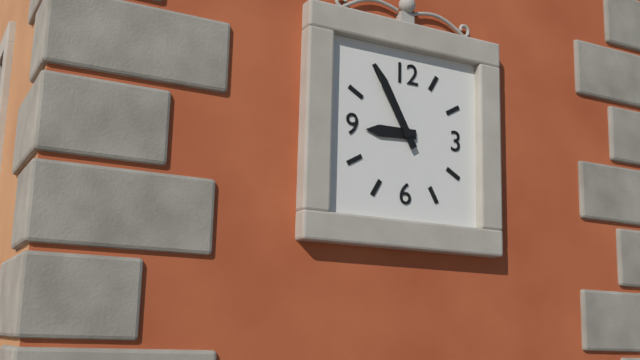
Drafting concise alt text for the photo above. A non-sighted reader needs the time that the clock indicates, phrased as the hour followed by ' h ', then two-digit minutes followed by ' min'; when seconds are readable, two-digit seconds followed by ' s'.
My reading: 8 h 55 min
